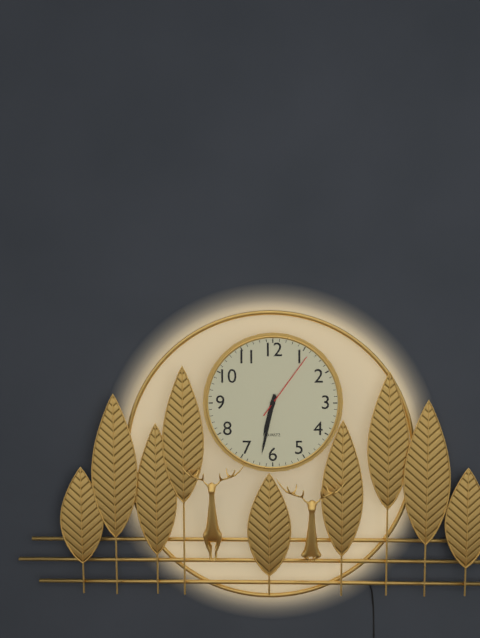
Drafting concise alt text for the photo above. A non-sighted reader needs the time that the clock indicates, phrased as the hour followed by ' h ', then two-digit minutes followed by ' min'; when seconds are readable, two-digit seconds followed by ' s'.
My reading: 6 h 32 min 06 s
